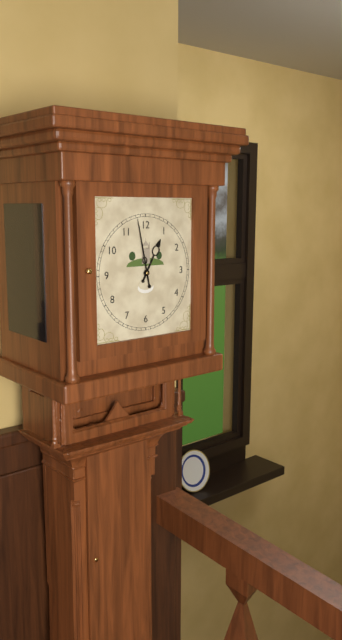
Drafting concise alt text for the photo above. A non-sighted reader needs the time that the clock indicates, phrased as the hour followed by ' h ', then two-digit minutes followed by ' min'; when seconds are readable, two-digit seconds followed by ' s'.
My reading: 12 h 58 min
